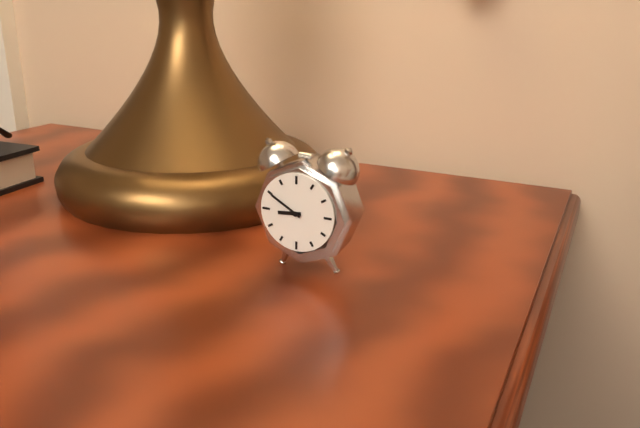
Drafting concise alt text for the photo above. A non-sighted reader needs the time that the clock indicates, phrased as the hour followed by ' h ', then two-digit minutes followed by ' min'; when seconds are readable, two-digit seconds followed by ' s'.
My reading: 8 h 50 min
